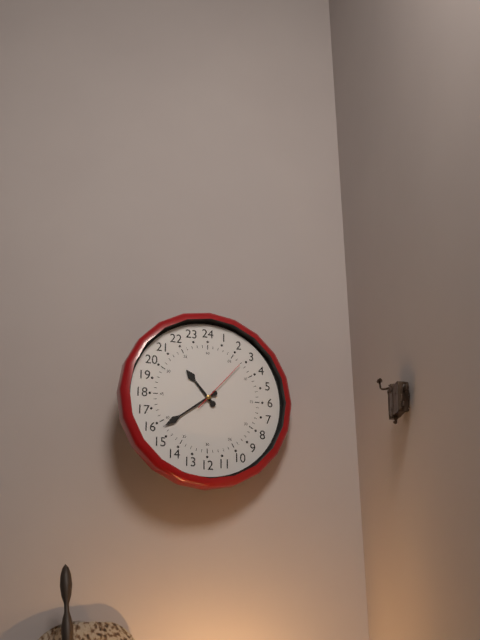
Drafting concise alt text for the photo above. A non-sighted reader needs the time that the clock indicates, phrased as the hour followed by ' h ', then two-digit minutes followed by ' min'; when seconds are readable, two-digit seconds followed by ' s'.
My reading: 10 h 39 min 07 s
